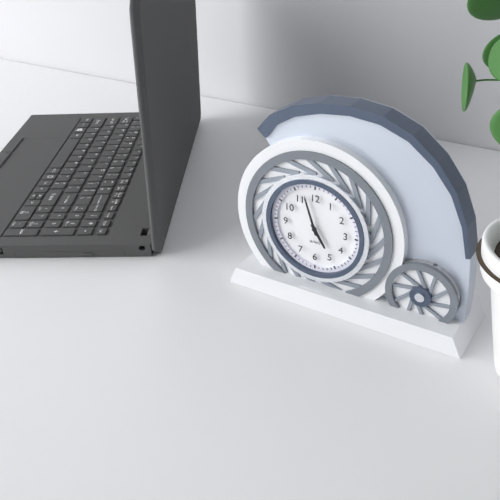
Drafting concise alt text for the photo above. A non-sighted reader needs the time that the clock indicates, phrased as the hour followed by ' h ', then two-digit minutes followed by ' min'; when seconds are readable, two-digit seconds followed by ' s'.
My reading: 4 h 57 min
